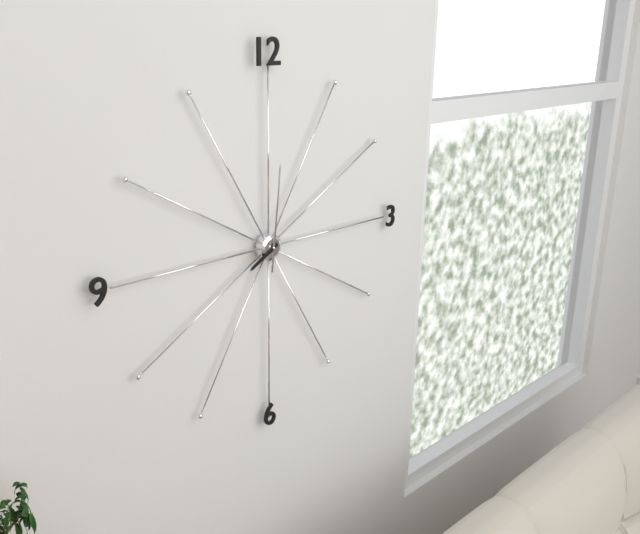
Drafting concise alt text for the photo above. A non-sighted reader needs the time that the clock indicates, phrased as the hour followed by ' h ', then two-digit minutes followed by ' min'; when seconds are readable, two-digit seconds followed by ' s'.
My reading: 8 h 01 min
